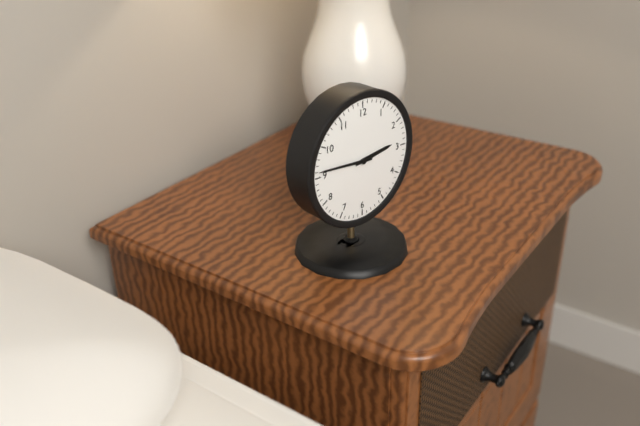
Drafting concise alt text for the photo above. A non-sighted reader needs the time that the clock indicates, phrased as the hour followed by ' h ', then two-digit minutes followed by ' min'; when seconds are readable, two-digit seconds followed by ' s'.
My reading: 2 h 46 min
